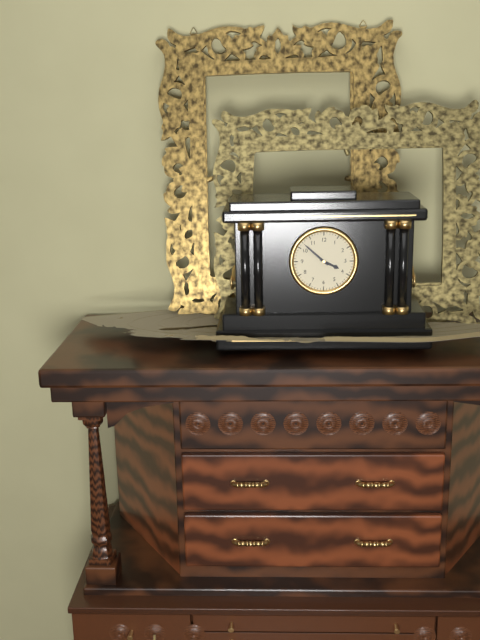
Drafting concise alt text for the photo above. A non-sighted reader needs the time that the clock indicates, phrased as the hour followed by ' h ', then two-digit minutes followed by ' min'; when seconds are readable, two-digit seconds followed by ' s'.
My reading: 3 h 52 min
